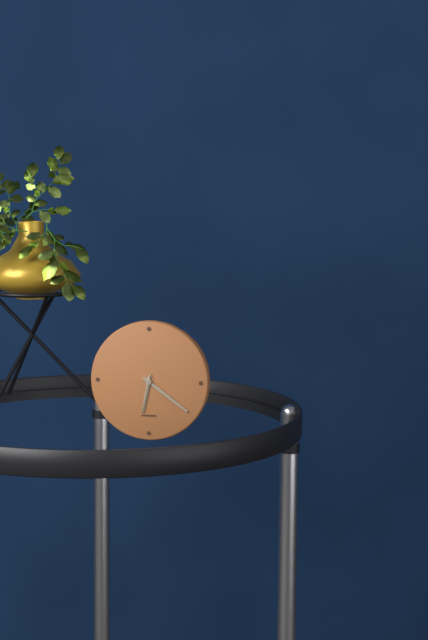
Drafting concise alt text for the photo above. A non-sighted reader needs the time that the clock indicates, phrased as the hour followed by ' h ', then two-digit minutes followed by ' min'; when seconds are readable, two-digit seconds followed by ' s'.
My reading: 6 h 21 min
